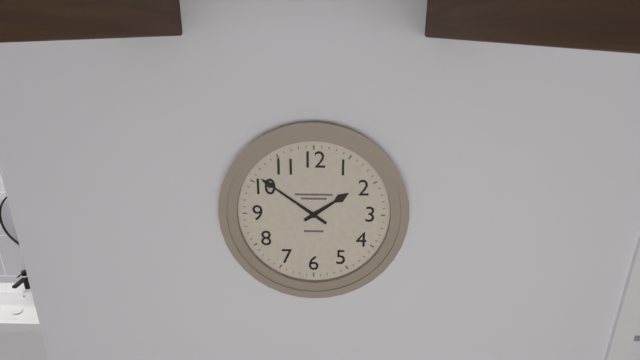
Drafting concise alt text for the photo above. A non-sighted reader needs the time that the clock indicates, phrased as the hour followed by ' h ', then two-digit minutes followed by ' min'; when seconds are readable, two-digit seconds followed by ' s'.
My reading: 1 h 51 min
